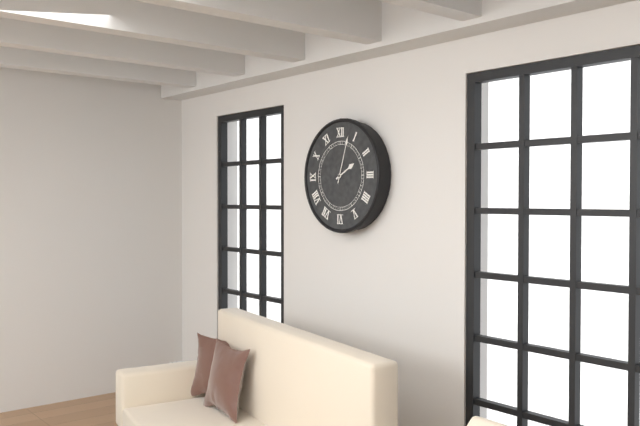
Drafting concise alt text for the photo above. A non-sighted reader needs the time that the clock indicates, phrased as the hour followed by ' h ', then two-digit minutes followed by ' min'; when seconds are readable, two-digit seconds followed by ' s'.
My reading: 2 h 03 min
